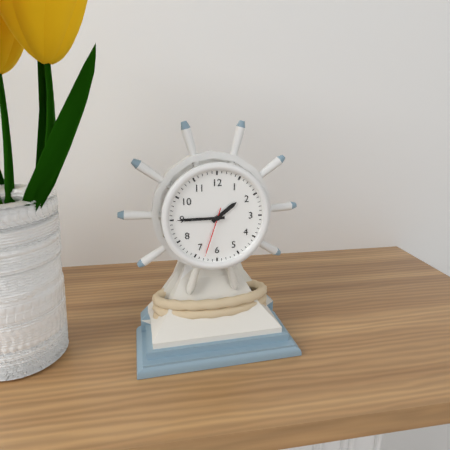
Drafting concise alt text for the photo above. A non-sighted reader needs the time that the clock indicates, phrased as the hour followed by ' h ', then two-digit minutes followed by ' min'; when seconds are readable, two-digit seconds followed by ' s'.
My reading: 1 h 45 min 33 s
